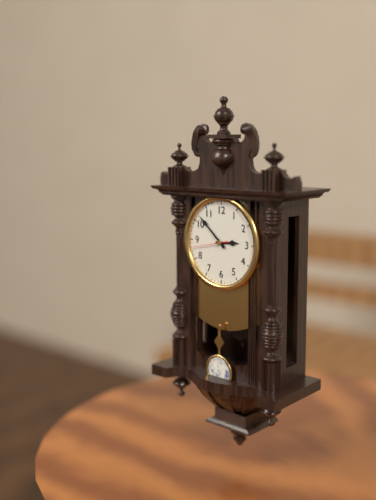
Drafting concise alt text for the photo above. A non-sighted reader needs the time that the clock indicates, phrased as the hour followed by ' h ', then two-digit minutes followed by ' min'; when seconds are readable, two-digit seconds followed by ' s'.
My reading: 2 h 52 min
